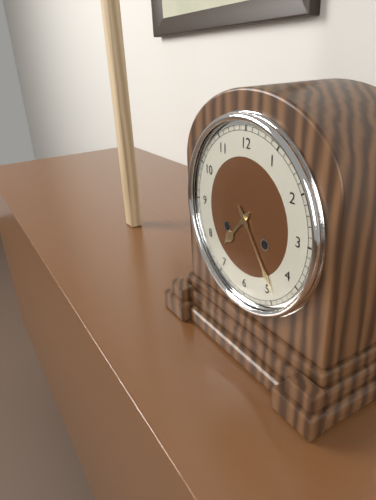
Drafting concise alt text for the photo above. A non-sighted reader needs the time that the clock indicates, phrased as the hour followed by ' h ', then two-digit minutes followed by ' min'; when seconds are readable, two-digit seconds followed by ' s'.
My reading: 7 h 24 min
